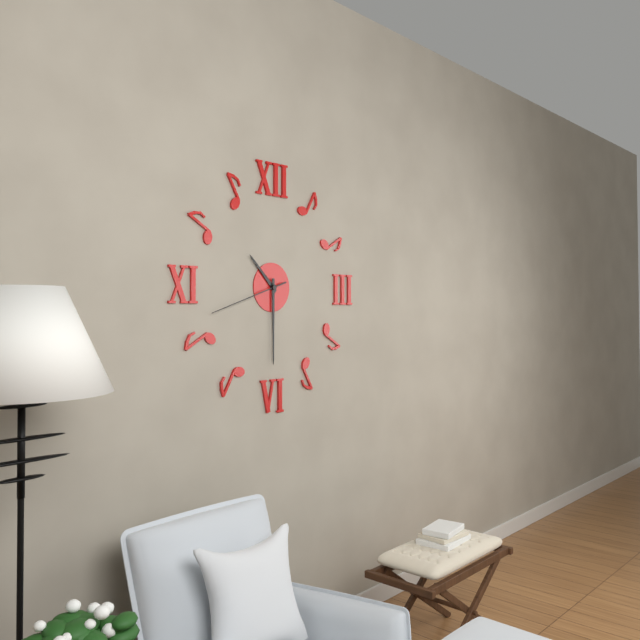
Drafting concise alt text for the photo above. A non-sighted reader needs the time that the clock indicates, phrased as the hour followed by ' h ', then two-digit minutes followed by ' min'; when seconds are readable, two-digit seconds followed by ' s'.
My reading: 10 h 30 min 42 s
